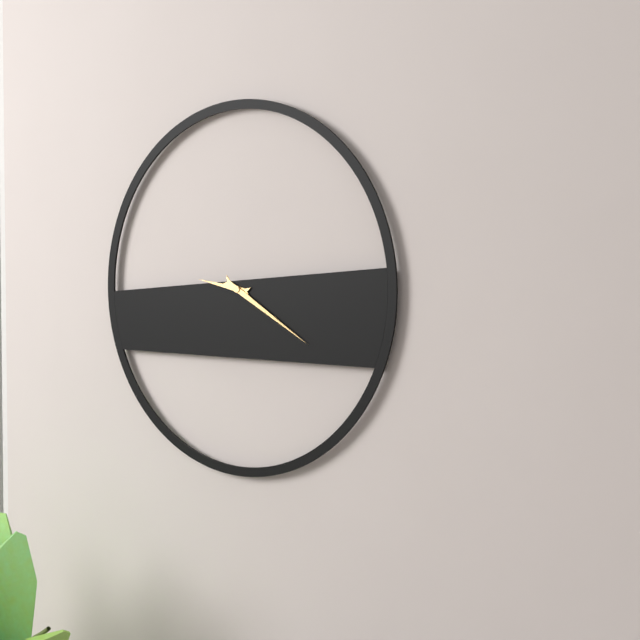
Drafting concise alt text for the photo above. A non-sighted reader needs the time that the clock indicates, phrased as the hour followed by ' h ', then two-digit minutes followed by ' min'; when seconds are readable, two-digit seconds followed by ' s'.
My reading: 9 h 20 min
